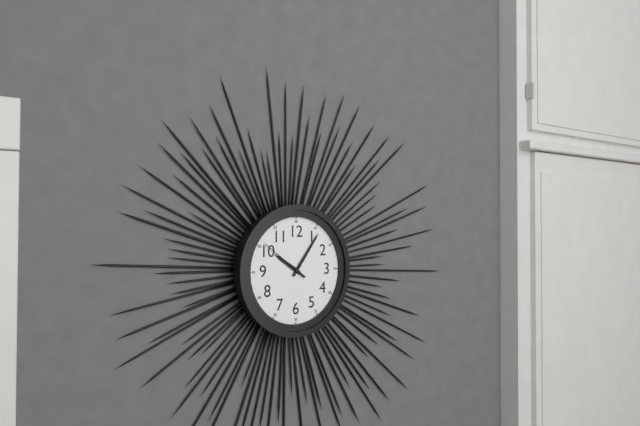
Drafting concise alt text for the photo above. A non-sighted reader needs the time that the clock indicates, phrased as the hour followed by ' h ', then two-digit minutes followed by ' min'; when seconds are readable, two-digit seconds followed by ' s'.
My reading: 10 h 06 min 51 s
